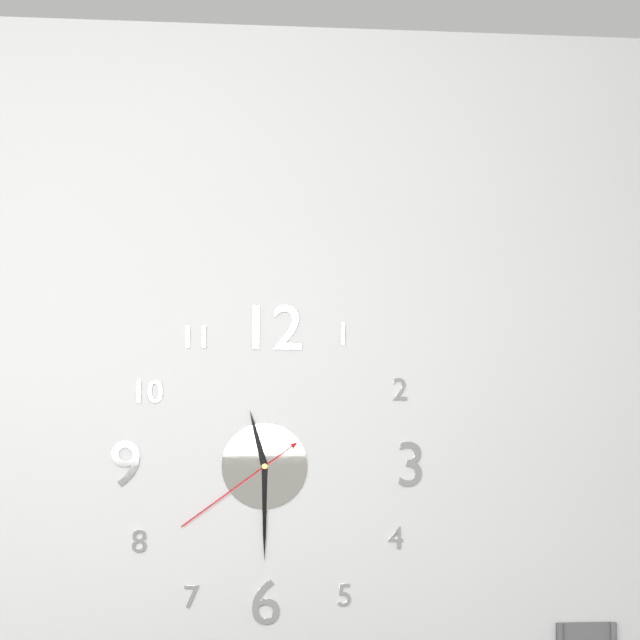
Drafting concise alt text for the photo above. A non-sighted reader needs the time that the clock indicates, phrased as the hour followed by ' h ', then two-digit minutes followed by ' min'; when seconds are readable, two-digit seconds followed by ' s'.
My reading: 11 h 30 min 39 s
